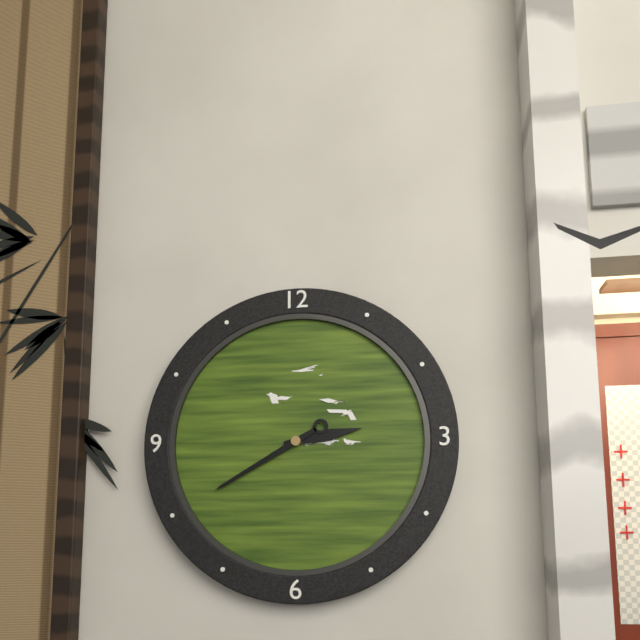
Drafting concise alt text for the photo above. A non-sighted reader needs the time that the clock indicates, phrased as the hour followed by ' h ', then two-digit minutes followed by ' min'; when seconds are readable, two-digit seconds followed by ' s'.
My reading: 2 h 40 min
